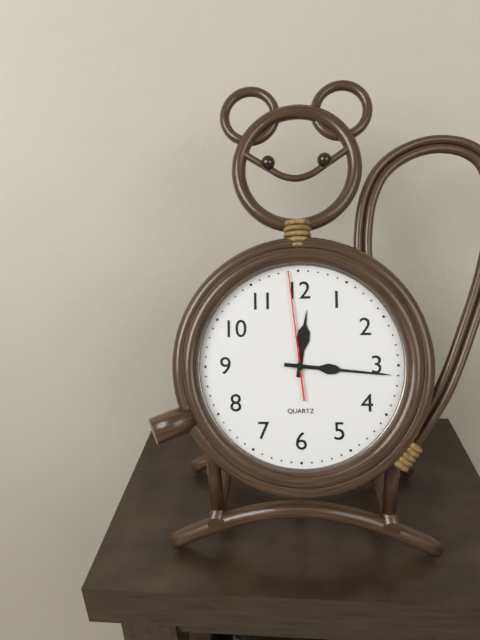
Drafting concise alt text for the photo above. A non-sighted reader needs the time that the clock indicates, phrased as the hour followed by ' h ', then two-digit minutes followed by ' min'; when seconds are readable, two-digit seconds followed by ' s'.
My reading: 12 h 16 min 59 s
